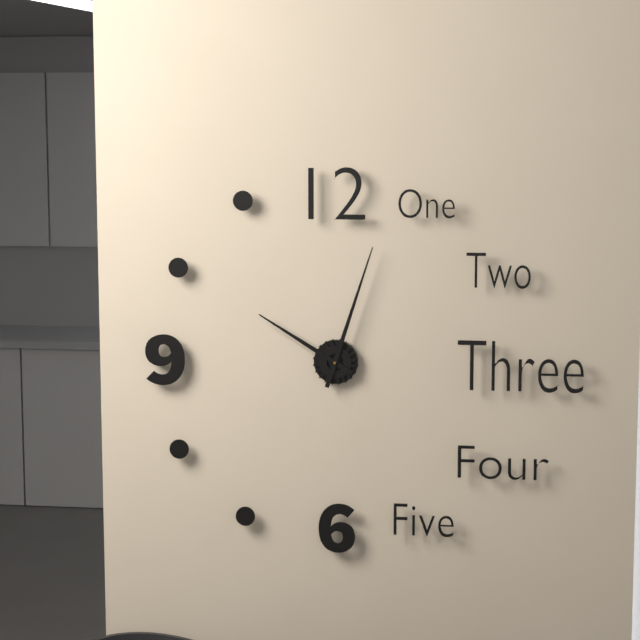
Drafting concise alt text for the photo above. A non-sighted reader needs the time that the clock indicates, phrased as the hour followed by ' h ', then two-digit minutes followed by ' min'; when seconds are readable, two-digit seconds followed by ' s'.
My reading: 10 h 03 min
